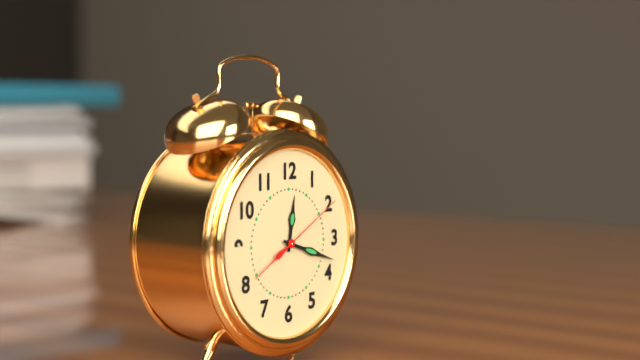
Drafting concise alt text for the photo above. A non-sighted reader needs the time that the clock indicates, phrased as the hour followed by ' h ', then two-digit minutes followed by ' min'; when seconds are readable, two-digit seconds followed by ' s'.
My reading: 12 h 18 min 10 s
